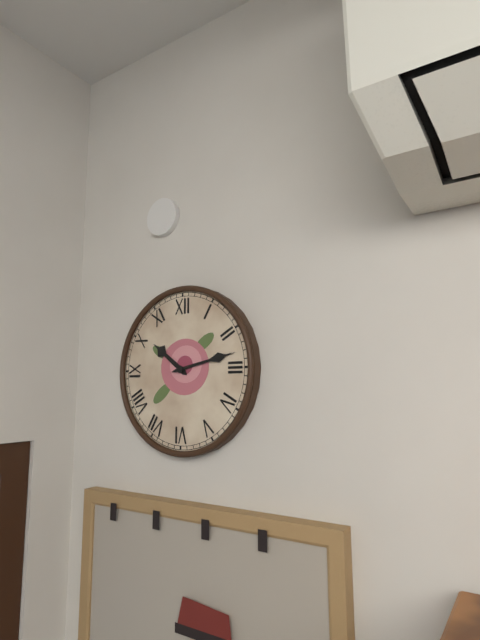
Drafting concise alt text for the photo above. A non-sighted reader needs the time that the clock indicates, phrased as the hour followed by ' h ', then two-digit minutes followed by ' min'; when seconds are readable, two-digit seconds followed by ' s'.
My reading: 10 h 13 min
